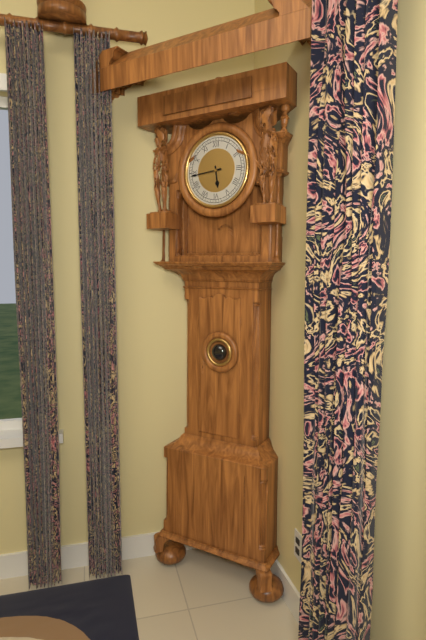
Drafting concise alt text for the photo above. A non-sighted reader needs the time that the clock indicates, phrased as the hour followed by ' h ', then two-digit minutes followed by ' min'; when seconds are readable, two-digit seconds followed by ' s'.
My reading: 5 h 44 min
